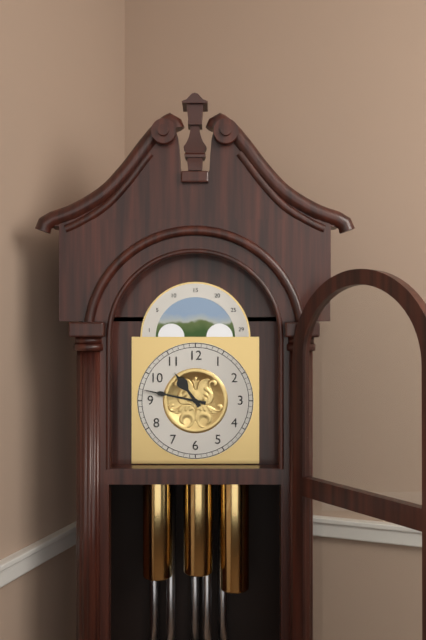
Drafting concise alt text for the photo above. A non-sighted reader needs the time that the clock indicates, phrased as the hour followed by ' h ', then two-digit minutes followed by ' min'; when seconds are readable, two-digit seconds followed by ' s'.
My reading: 10 h 47 min
